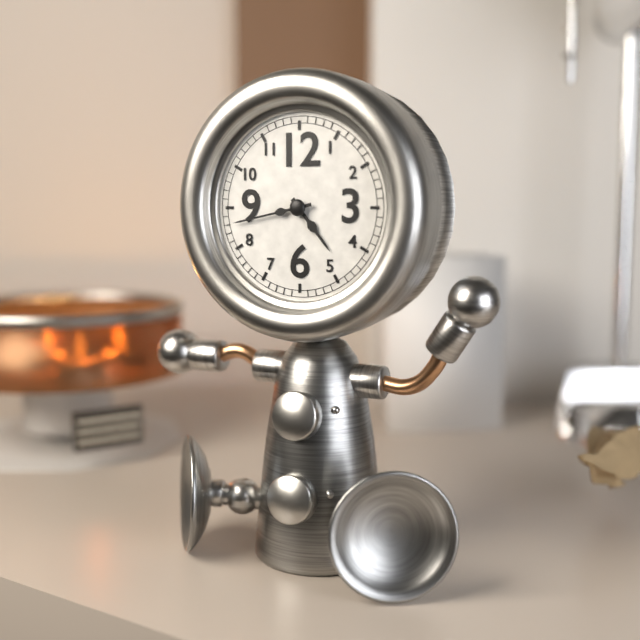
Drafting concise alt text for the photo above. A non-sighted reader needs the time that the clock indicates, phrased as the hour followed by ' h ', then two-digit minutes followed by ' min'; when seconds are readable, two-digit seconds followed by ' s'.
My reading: 4 h 43 min
